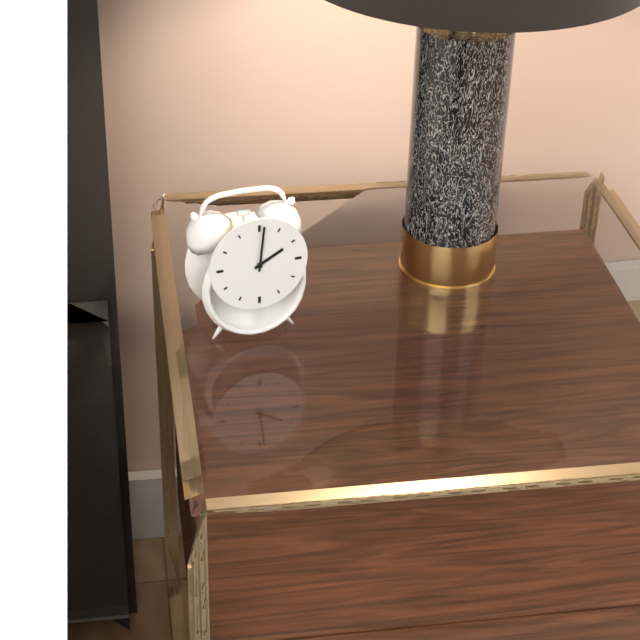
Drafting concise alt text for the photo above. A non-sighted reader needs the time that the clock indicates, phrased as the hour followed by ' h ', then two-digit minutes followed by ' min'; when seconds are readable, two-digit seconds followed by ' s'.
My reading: 2 h 01 min
